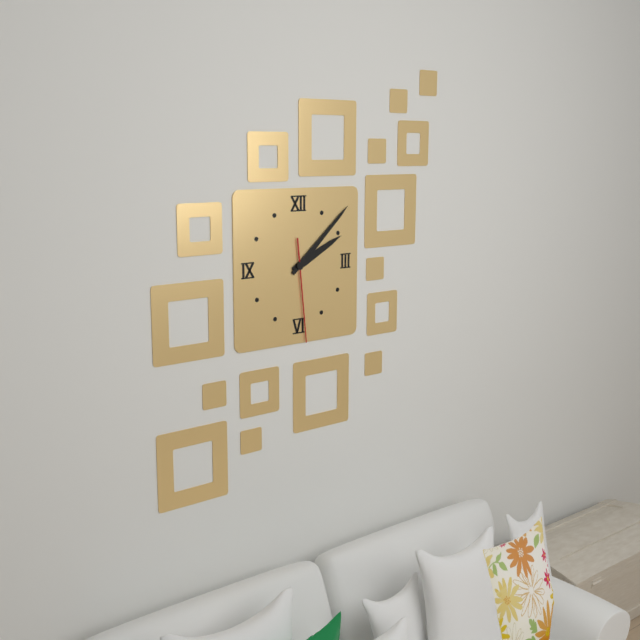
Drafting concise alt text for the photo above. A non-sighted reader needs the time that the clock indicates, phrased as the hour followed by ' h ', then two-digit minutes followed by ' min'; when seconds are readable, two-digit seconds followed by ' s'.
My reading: 2 h 08 min 29 s
